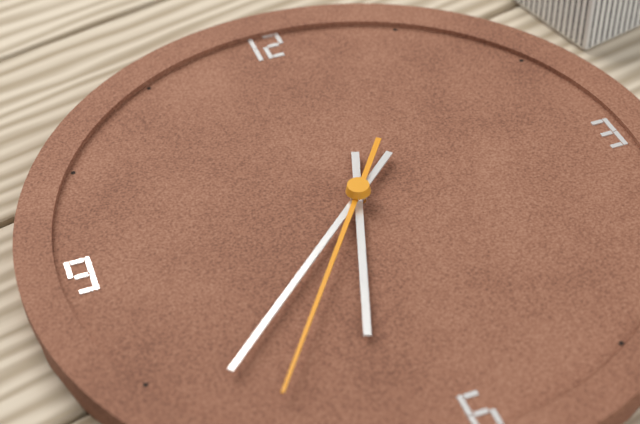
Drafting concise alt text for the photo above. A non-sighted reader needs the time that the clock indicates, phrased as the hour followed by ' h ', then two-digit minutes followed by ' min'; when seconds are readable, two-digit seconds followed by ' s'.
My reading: 6 h 38 min 36 s
